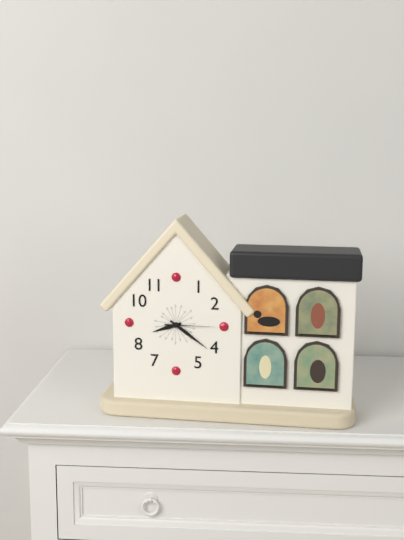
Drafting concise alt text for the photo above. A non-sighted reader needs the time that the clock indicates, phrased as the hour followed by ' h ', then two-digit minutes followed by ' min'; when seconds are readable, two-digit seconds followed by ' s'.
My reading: 8 h 21 min
